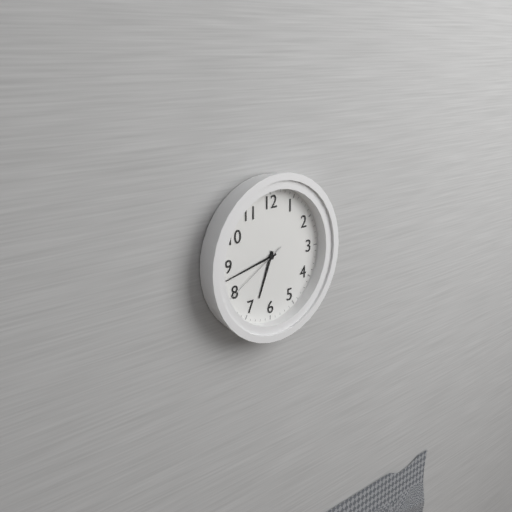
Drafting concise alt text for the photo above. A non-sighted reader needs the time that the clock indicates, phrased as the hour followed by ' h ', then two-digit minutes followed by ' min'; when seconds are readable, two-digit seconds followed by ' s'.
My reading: 6 h 43 min 40 s
